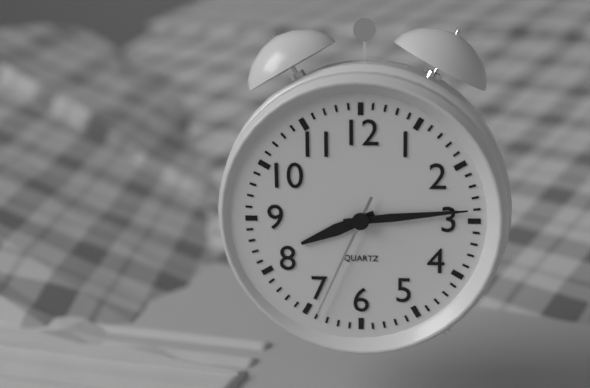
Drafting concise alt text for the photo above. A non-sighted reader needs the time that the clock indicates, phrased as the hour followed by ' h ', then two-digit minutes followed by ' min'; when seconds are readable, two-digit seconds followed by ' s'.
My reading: 8 h 14 min 34 s
